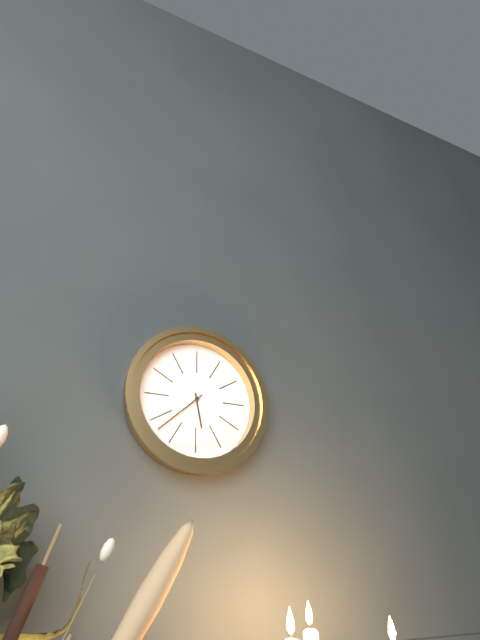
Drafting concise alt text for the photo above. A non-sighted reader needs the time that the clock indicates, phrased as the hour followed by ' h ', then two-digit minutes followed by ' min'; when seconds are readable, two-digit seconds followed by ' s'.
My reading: 5 h 38 min
